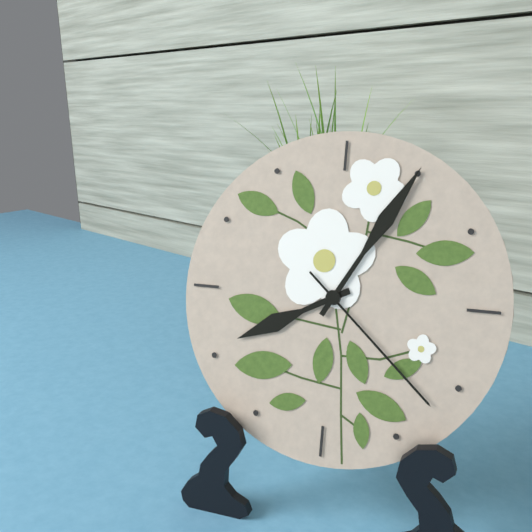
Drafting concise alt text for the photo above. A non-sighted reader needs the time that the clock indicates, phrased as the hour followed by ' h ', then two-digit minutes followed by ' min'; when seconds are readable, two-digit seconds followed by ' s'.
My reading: 8 h 05 min 22 s
